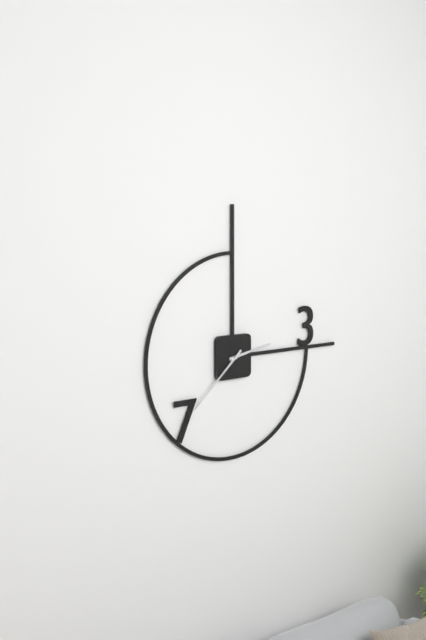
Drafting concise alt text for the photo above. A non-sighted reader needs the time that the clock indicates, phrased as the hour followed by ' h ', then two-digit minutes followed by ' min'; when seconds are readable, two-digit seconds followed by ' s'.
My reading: 2 h 38 min
